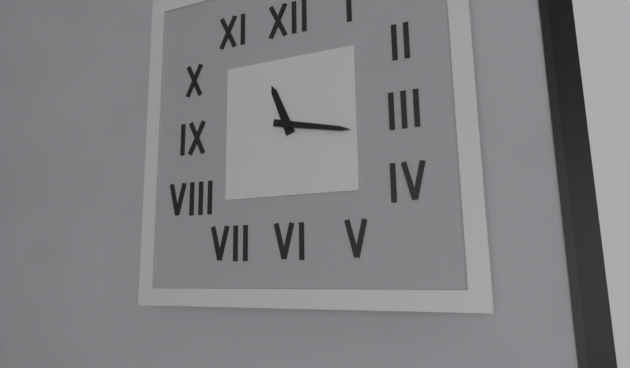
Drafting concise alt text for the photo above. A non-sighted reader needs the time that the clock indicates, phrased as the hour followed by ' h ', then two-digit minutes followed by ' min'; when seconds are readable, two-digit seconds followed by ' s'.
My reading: 11 h 17 min
